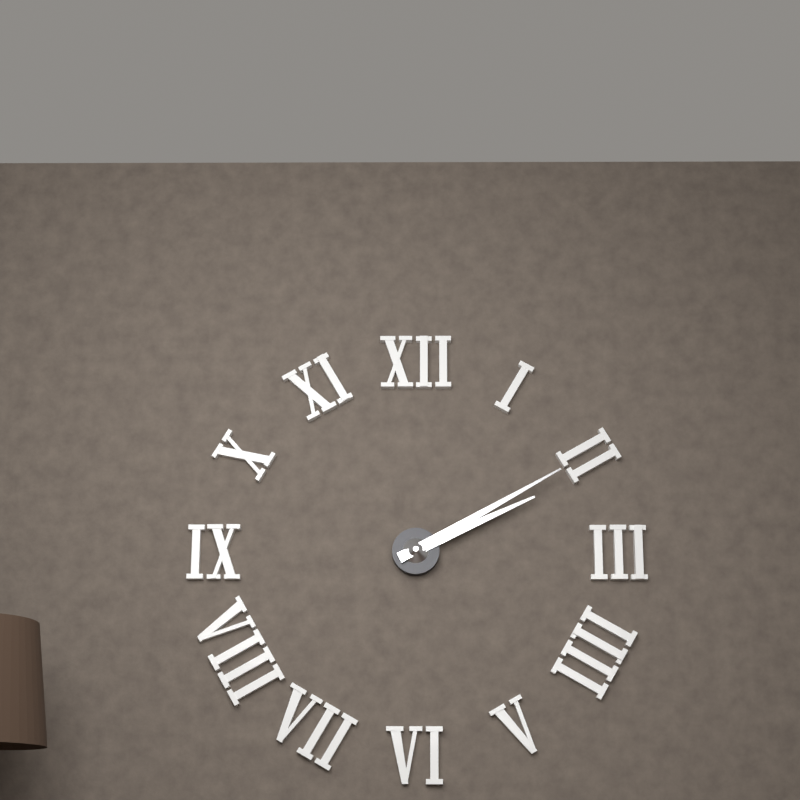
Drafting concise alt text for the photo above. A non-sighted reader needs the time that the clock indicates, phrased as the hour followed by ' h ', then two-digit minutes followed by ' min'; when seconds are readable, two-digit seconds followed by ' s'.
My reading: 2 h 10 min
